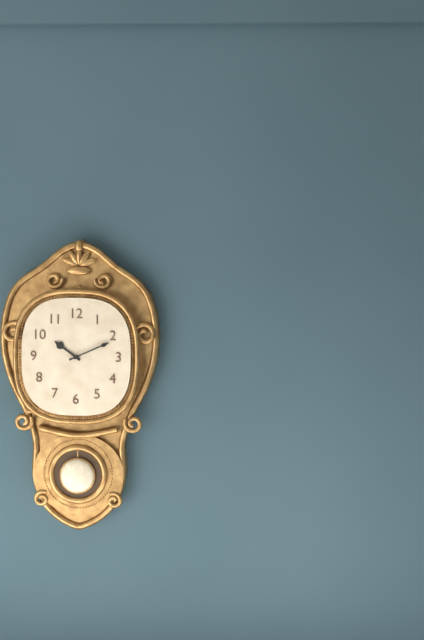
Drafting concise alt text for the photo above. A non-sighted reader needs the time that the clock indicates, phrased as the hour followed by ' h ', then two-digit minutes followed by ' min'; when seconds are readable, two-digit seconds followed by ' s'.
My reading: 10 h 11 min
